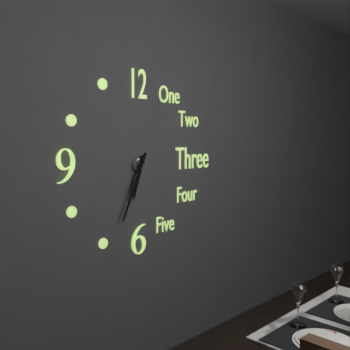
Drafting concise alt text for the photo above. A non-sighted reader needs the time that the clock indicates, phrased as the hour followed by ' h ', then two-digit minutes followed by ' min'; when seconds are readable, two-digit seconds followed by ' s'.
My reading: 6 h 34 min
